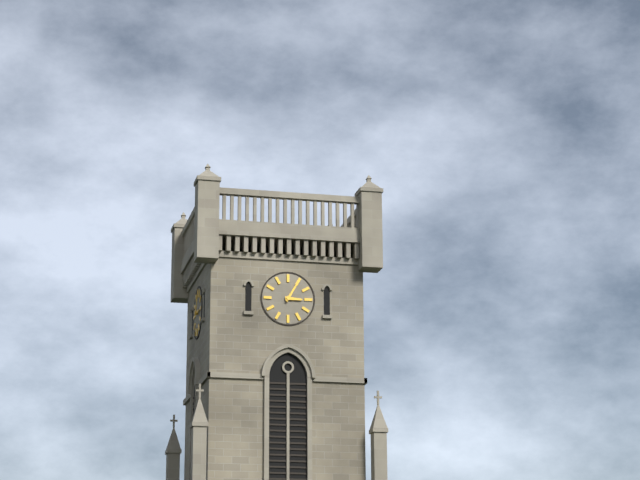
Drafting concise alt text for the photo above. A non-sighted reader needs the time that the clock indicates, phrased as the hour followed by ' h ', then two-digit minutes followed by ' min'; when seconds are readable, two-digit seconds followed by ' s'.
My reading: 3 h 05 min
